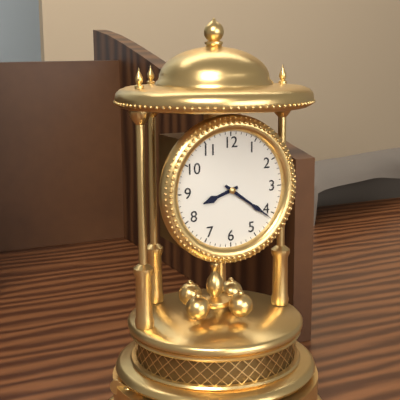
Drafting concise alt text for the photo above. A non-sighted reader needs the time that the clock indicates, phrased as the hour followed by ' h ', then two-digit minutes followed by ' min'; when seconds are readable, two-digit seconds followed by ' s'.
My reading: 8 h 21 min
